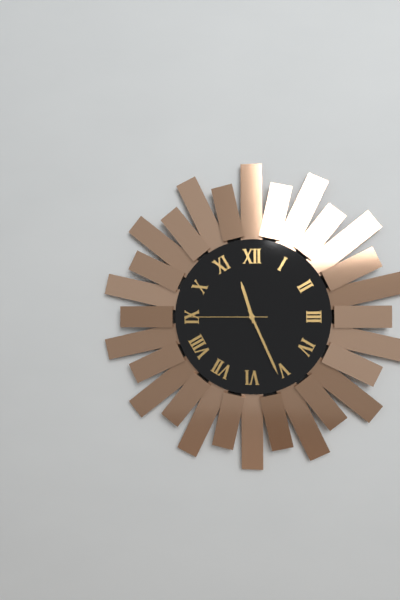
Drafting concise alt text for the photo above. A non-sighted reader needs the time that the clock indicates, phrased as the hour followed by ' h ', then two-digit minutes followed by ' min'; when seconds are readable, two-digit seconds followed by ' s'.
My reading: 11 h 26 min 45 s
